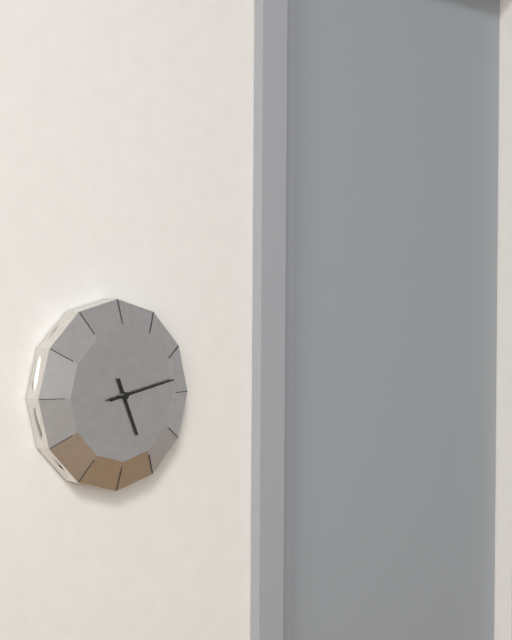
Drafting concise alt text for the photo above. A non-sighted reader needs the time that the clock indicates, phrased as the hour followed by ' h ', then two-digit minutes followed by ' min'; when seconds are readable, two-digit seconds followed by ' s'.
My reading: 5 h 13 min
